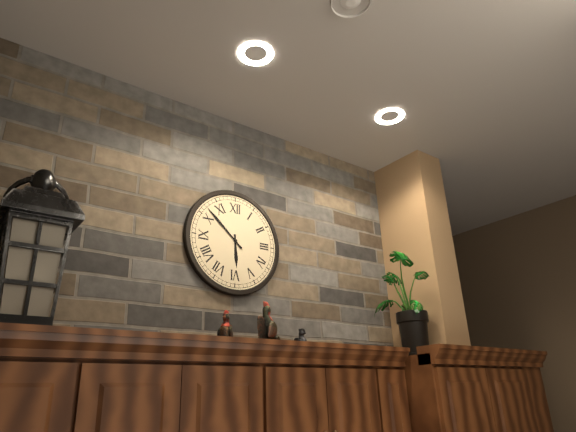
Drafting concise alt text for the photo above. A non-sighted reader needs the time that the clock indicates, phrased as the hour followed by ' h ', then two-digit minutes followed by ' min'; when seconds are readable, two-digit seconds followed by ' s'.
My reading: 5 h 52 min
